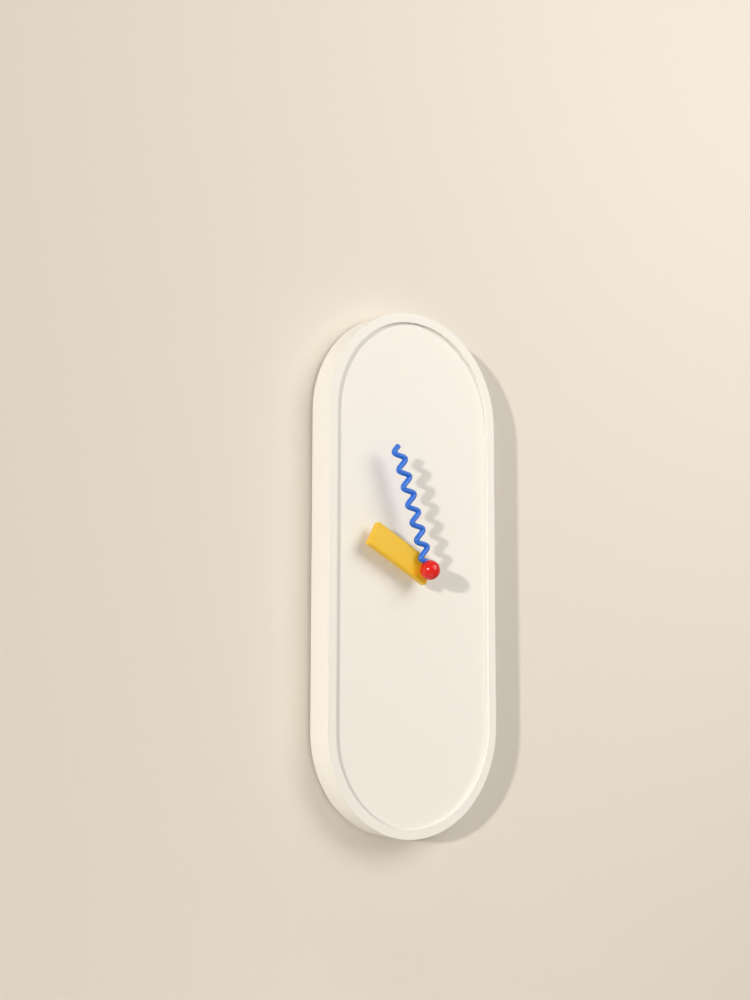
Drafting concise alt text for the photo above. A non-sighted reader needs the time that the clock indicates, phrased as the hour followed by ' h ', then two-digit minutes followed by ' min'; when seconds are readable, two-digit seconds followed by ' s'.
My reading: 9 h 57 min
